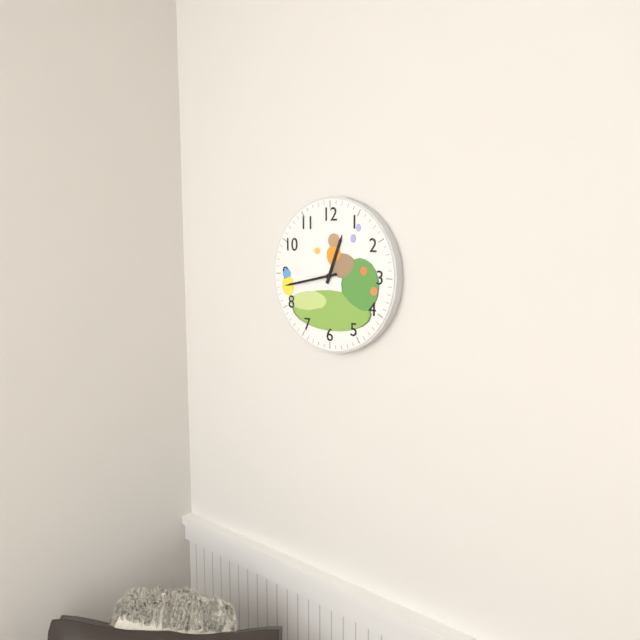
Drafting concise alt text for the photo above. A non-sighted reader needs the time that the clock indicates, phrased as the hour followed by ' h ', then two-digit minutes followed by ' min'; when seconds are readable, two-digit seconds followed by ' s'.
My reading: 12 h 43 min
